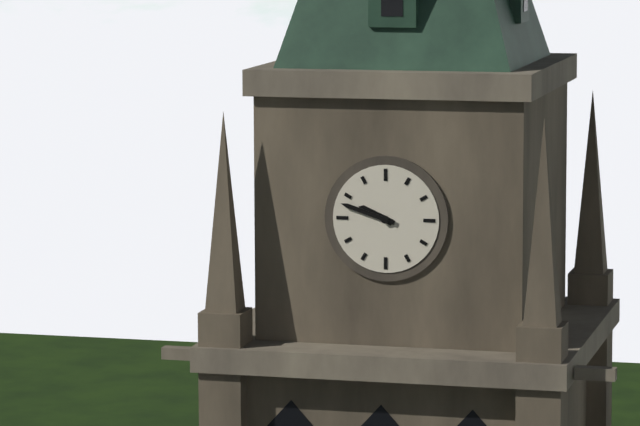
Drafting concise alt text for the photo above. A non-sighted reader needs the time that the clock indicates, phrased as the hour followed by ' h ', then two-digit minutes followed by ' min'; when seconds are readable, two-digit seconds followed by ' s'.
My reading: 9 h 48 min
